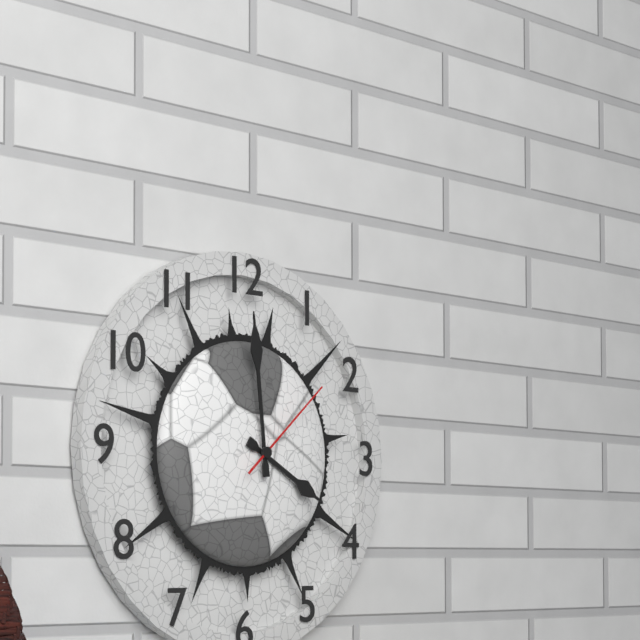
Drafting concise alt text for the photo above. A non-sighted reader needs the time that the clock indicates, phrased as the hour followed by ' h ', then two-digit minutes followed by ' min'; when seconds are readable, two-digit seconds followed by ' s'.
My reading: 3 h 59 min 08 s
